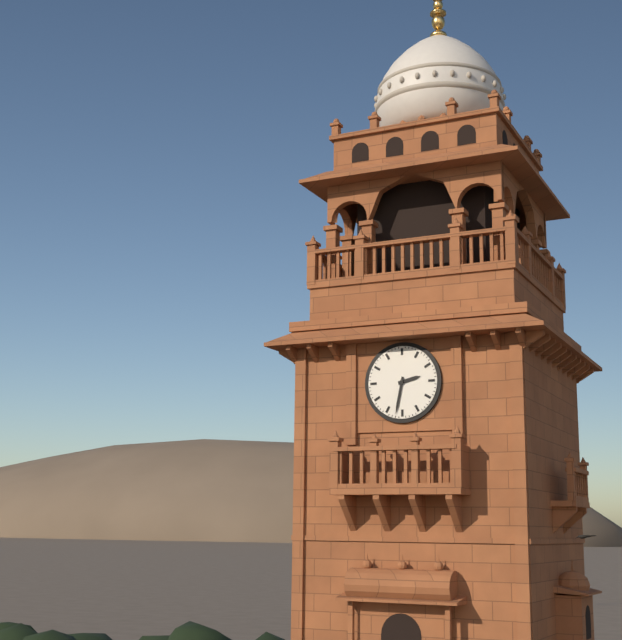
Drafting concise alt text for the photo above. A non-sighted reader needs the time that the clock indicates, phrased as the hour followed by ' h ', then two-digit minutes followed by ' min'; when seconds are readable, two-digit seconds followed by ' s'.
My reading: 2 h 32 min
